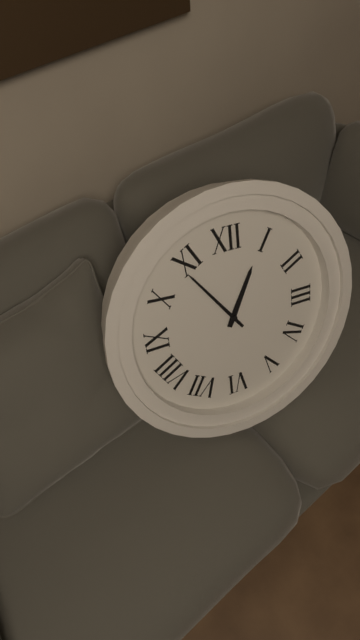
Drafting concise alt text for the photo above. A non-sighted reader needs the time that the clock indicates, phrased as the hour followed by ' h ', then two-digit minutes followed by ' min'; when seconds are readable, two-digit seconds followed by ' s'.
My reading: 12 h 54 min
